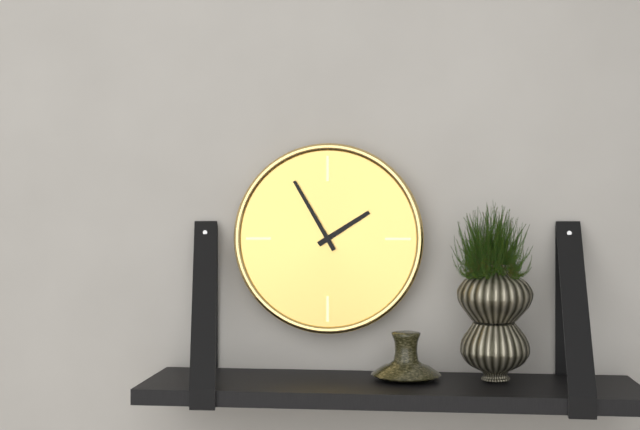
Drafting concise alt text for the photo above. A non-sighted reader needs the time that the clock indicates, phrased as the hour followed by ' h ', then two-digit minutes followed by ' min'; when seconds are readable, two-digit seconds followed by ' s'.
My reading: 1 h 55 min
